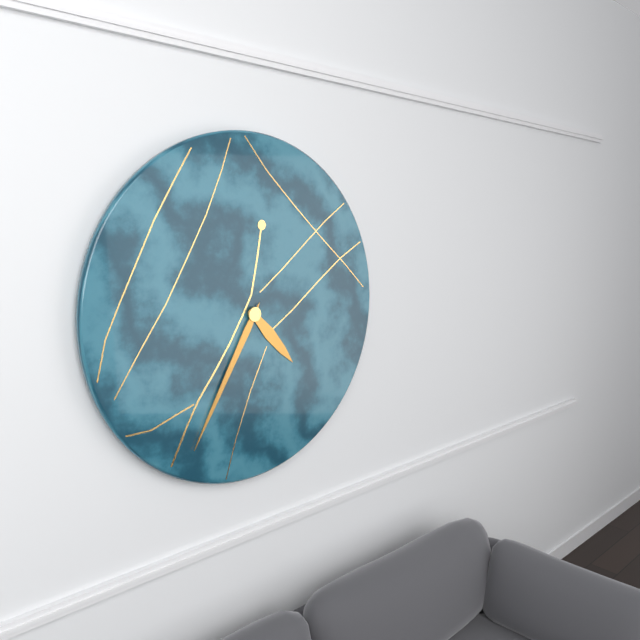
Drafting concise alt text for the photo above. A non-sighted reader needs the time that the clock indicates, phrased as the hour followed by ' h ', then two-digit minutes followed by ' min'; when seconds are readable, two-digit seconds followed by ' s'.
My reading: 4 h 35 min
